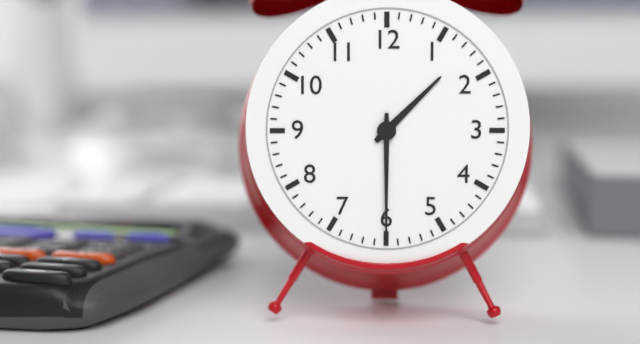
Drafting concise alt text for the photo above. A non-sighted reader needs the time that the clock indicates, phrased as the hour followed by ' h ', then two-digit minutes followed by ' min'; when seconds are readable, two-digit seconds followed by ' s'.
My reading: 1 h 30 min
